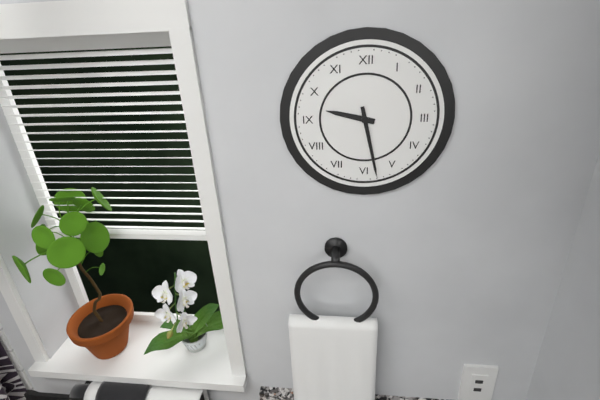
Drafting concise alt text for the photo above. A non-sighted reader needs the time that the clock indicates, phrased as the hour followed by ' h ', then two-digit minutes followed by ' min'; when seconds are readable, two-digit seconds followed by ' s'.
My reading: 9 h 28 min
